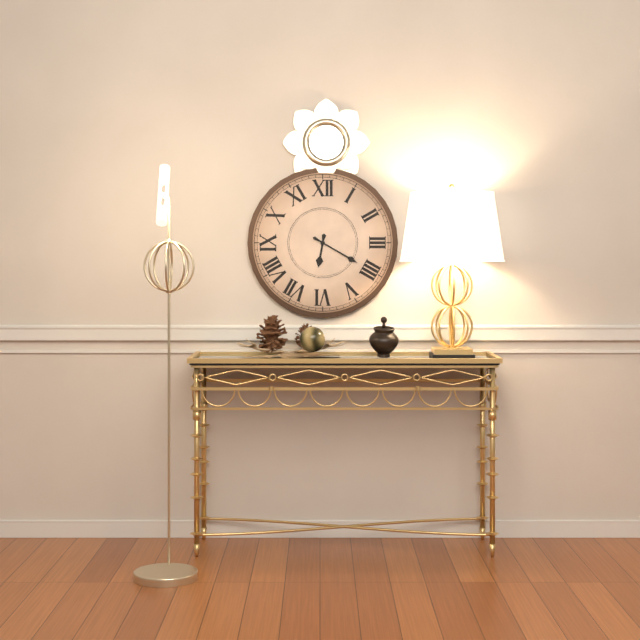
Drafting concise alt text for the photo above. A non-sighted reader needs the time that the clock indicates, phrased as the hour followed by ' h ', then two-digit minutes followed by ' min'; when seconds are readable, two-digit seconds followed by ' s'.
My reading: 6 h 20 min
